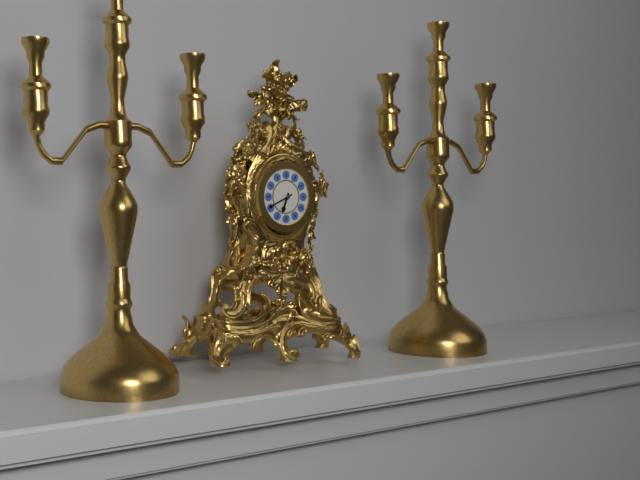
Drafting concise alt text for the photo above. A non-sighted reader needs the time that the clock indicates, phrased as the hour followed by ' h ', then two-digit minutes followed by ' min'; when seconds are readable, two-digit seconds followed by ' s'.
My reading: 6 h 41 min
